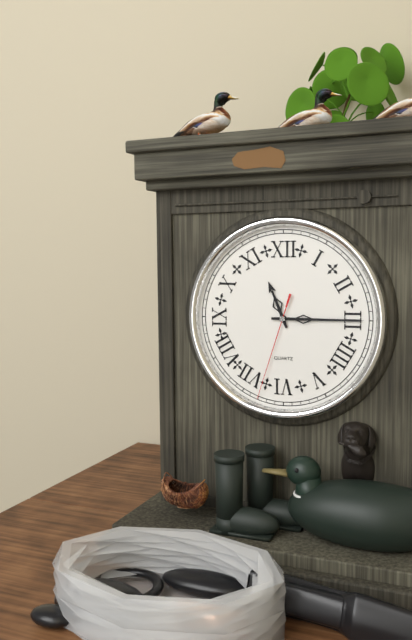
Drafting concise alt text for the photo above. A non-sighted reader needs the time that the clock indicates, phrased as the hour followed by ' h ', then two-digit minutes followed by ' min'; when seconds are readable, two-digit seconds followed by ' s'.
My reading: 11 h 15 min 33 s
